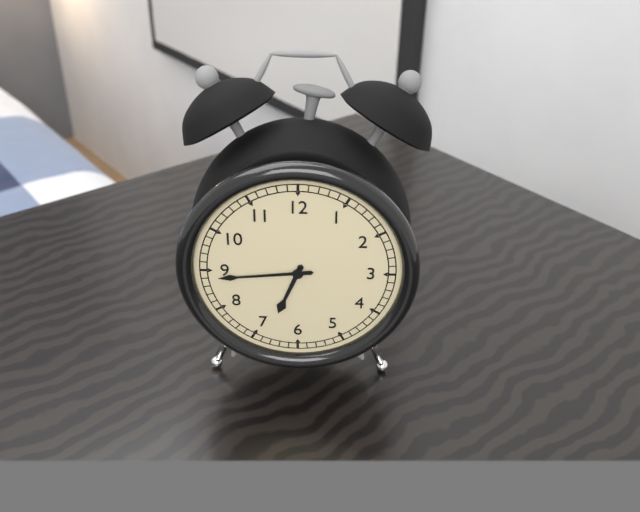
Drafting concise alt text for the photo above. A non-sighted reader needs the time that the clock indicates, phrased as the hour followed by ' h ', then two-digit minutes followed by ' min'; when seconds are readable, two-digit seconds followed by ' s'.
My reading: 6 h 44 min
